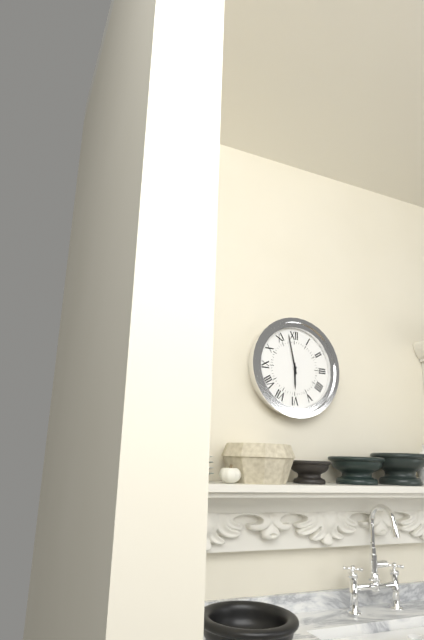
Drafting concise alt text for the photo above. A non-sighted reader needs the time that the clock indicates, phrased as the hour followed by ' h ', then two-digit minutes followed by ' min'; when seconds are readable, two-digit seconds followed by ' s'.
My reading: 5 h 58 min
